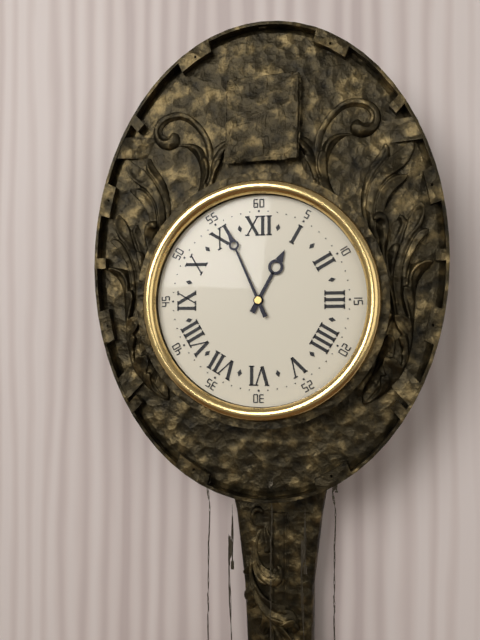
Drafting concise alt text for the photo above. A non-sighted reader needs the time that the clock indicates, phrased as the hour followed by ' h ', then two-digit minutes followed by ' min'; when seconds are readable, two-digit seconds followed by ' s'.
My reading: 12 h 56 min
